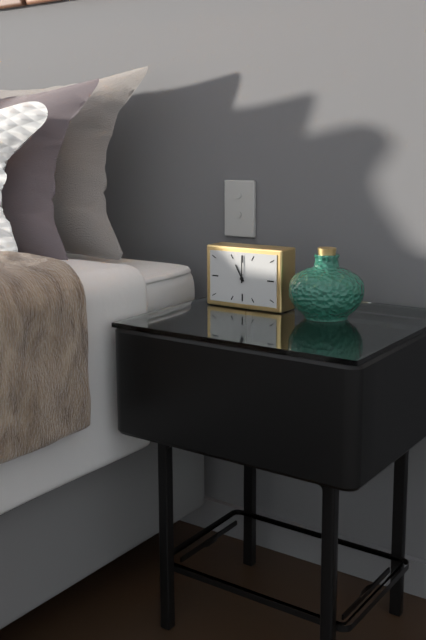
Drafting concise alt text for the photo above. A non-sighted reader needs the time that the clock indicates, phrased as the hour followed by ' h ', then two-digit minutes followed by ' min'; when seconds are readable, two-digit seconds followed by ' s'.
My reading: 11 h 00 min
